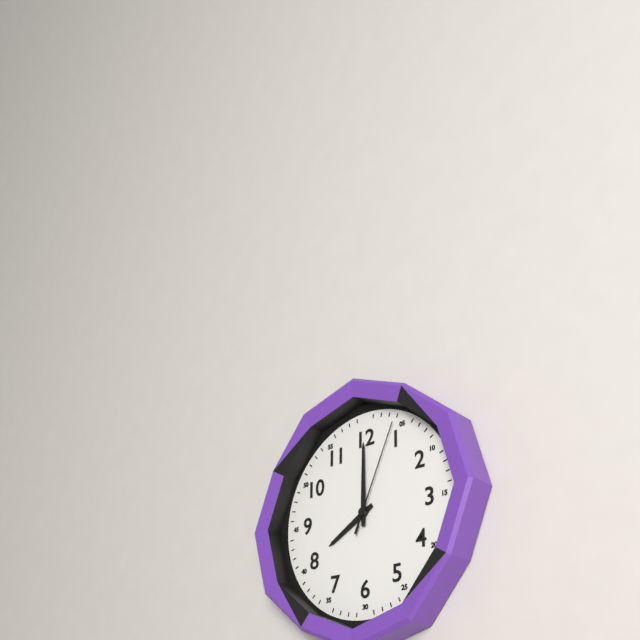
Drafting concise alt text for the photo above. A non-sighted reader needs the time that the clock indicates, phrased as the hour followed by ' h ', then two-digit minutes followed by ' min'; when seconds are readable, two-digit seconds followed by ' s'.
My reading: 8 h 00 min 04 s
